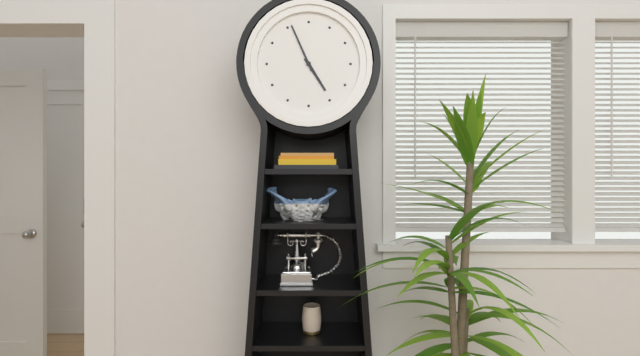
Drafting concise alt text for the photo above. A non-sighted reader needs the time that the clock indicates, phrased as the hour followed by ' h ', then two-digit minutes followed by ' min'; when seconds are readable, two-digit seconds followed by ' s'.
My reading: 4 h 56 min
